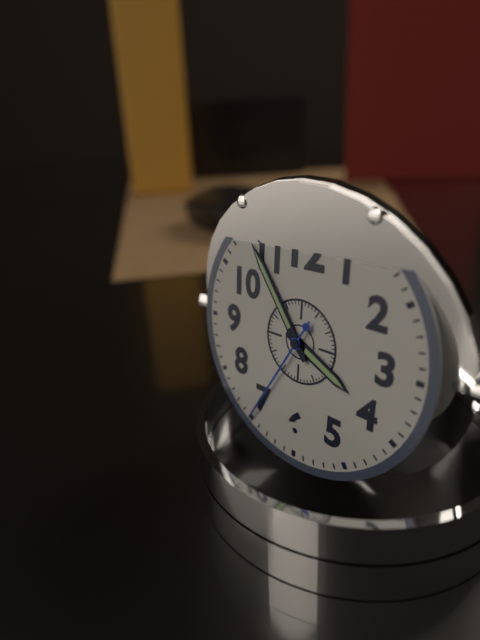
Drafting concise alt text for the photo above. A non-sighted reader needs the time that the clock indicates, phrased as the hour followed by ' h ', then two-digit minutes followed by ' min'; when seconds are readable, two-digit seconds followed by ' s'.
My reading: 3 h 54 min 35 s
